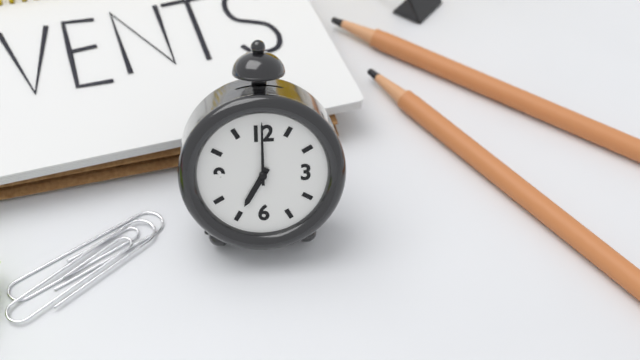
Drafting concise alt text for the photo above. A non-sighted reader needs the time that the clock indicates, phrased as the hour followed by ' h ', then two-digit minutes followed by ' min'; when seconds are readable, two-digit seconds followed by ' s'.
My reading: 7 h 00 min
